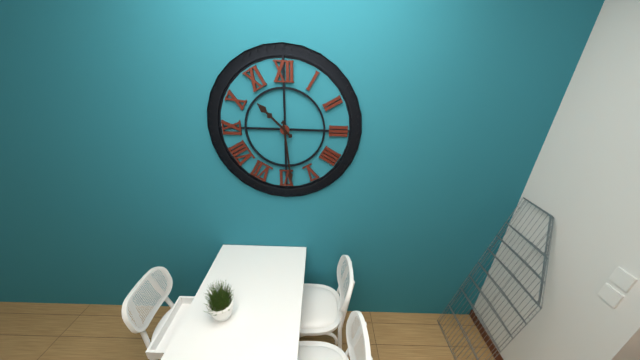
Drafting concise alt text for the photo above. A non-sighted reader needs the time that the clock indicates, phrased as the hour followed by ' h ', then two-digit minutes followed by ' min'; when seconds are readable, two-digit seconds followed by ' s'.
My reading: 10 h 29 min
